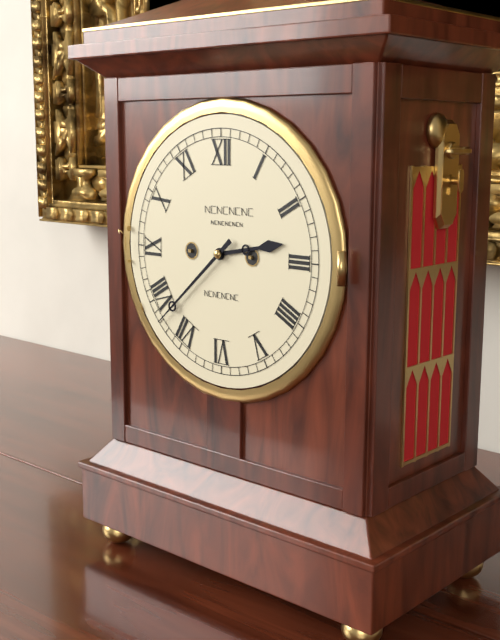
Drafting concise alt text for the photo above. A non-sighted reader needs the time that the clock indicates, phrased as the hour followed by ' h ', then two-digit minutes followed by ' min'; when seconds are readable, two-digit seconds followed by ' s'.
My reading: 2 h 38 min
